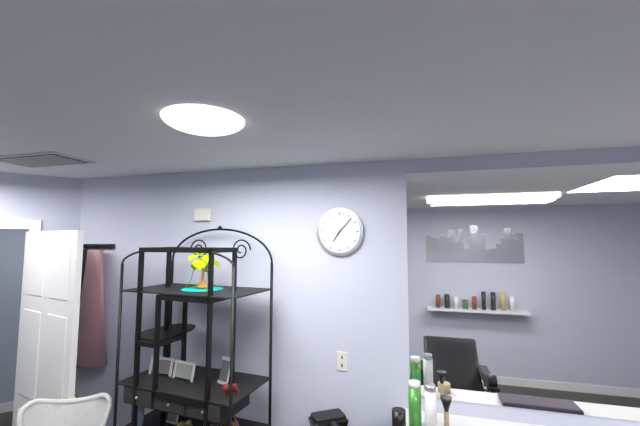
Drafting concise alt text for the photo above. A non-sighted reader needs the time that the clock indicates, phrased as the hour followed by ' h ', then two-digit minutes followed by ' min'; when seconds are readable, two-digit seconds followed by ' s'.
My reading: 7 h 07 min
